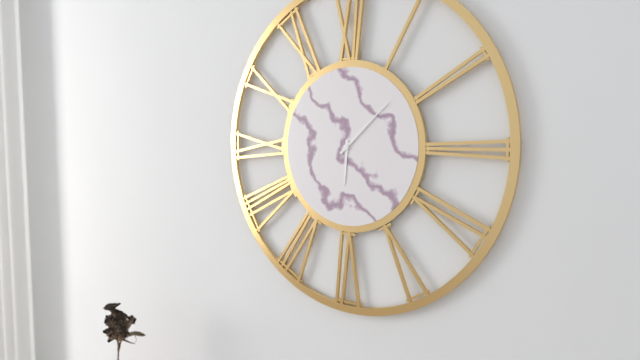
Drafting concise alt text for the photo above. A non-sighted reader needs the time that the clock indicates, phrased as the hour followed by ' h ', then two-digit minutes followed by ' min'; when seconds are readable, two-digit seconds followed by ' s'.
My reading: 6 h 08 min
